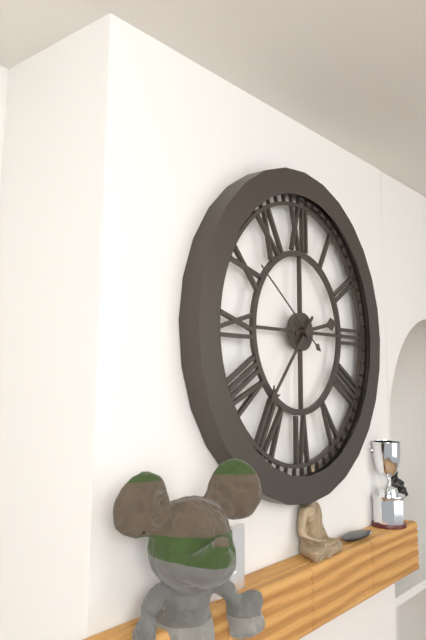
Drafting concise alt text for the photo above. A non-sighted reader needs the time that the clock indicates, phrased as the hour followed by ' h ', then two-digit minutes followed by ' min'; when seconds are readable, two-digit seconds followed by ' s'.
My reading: 2 h 37 min 51 s
